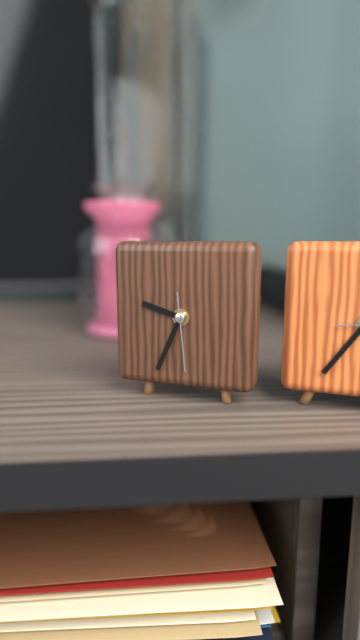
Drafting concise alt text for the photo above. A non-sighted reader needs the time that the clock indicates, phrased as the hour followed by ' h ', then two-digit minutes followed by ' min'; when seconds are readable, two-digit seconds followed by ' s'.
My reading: 9 h 34 min 29 s
